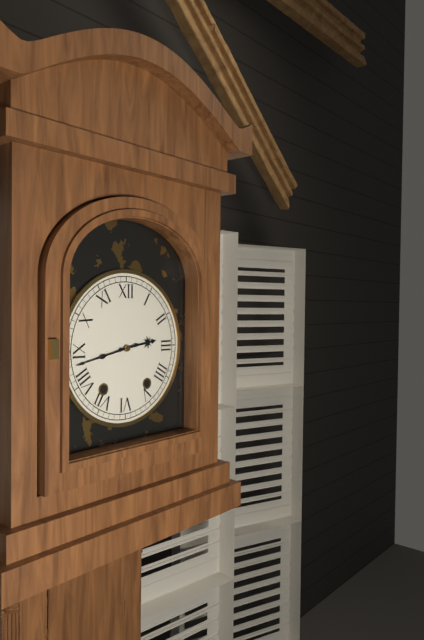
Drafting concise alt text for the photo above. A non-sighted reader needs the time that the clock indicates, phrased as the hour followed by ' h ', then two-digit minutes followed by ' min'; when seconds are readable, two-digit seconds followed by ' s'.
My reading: 2 h 43 min
